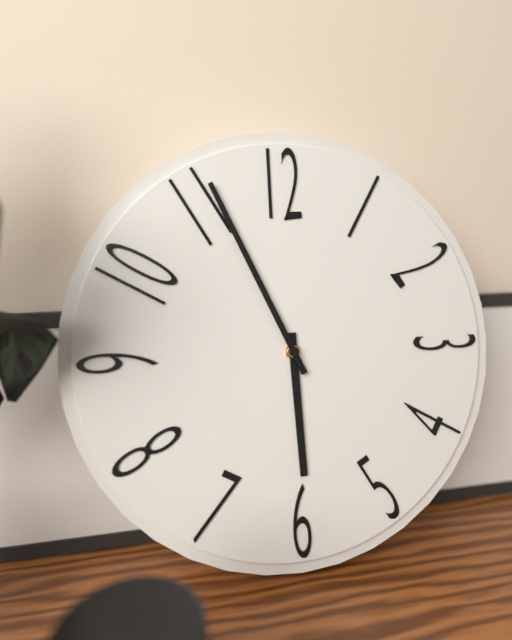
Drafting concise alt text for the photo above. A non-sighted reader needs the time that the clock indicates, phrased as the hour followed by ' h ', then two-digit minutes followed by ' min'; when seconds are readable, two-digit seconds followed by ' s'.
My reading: 5 h 56 min
